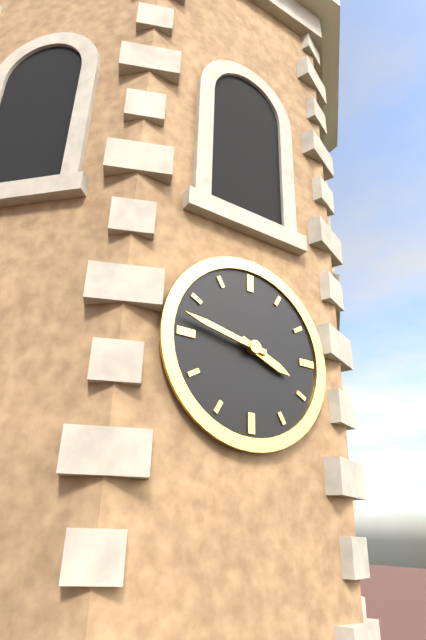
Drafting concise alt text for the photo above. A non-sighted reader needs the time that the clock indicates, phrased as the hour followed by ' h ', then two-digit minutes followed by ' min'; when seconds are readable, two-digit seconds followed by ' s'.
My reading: 3 h 47 min
